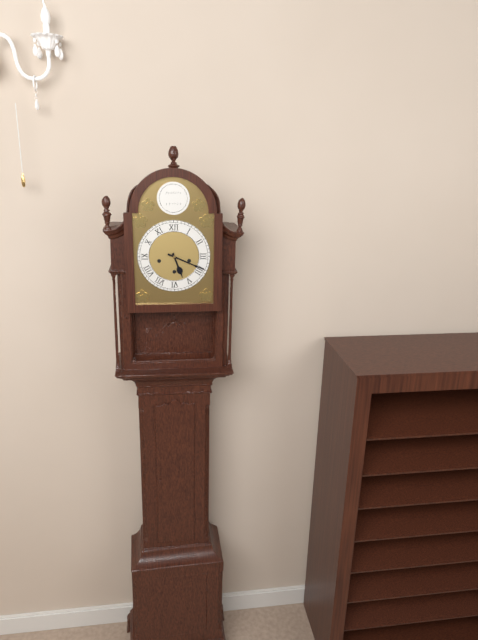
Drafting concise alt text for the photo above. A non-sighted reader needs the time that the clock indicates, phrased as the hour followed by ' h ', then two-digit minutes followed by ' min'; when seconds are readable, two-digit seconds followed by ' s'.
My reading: 5 h 19 min
